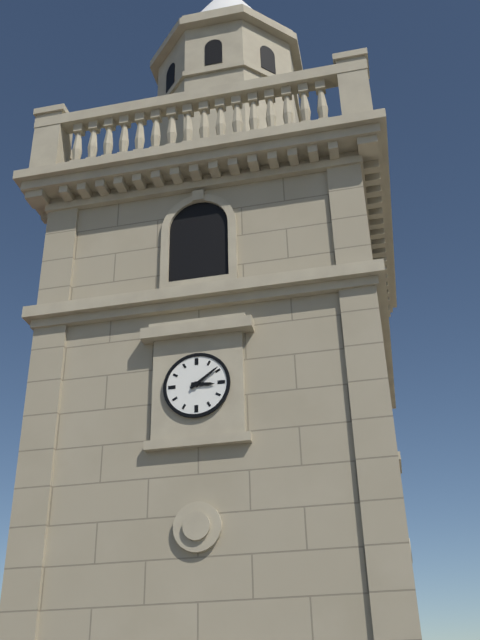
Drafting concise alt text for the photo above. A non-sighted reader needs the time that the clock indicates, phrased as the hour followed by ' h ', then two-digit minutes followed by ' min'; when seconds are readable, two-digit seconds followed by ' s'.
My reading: 3 h 09 min
